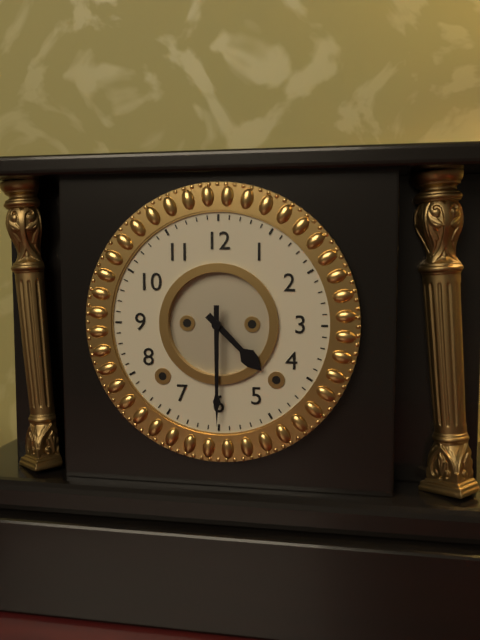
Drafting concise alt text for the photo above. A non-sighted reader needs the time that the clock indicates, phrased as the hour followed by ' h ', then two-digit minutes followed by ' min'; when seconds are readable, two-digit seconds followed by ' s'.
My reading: 4 h 30 min
